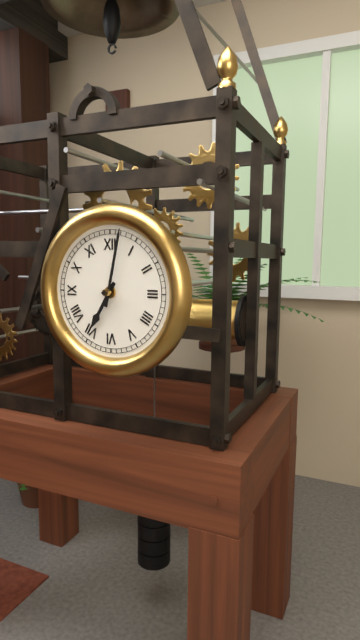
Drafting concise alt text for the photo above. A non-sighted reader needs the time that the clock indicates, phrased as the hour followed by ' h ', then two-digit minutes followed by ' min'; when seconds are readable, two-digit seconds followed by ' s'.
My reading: 7 h 02 min
